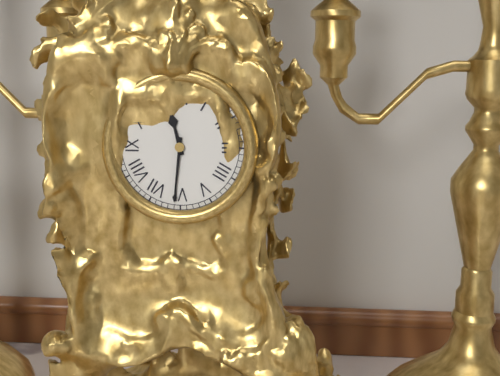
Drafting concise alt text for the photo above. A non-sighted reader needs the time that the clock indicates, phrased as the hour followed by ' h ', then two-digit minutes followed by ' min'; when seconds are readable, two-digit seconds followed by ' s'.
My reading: 11 h 31 min
